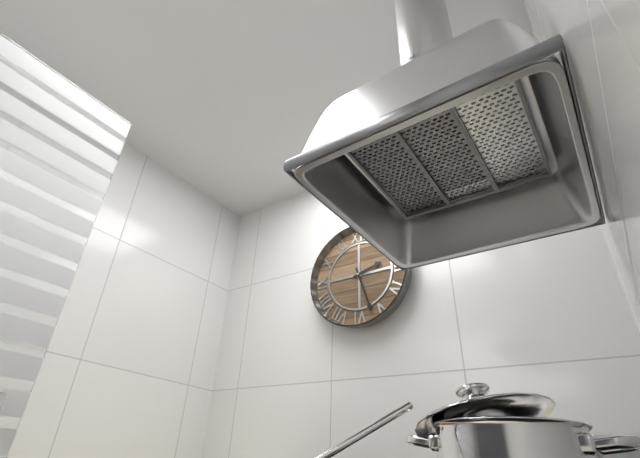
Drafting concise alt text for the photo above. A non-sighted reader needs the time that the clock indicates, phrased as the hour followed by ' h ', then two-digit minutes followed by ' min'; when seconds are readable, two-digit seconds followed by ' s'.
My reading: 2 h 27 min
